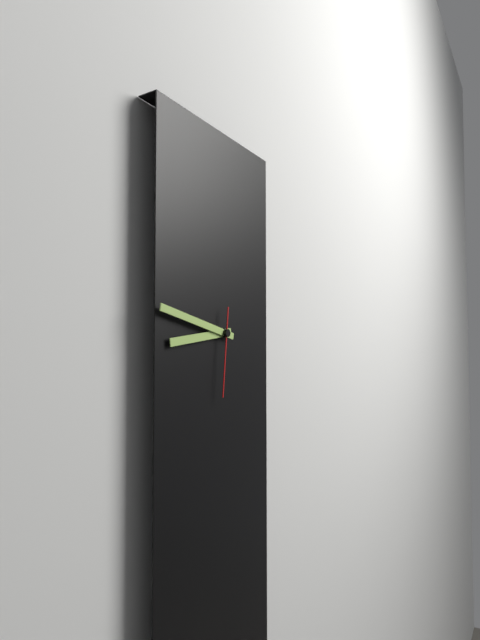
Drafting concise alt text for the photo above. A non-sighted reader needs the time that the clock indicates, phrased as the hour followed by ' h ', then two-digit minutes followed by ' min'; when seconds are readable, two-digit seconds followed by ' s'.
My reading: 8 h 47 min 31 s
